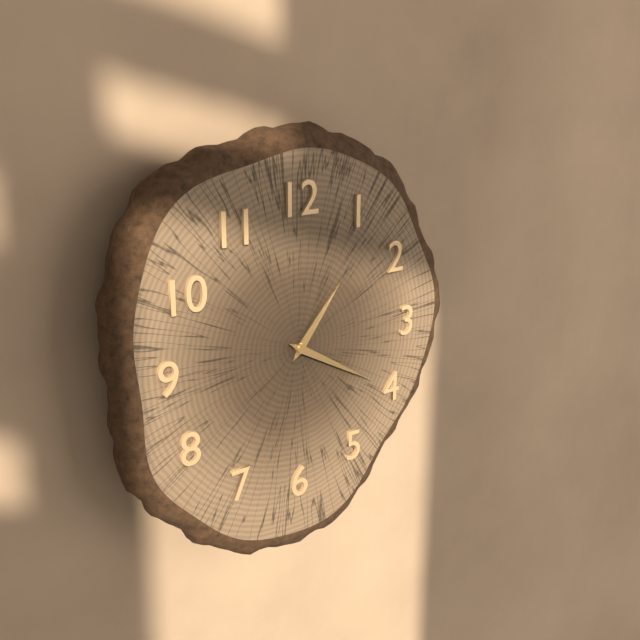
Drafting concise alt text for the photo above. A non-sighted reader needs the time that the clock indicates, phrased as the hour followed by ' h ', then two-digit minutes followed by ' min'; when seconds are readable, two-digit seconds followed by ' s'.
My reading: 1 h 20 min
